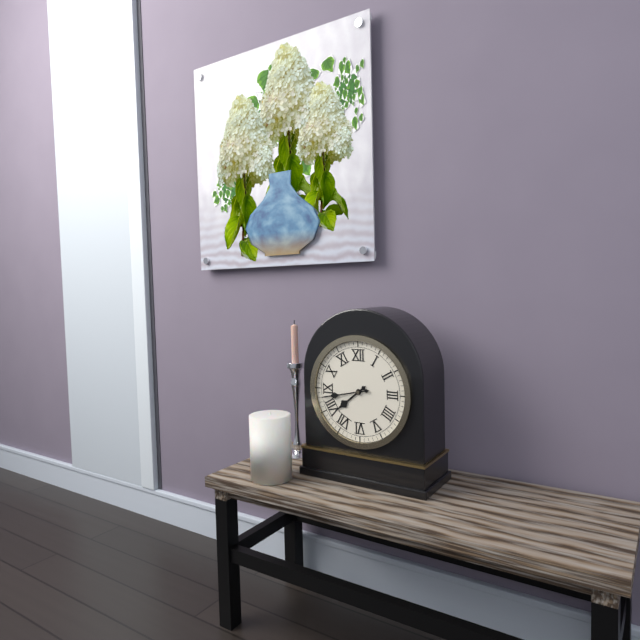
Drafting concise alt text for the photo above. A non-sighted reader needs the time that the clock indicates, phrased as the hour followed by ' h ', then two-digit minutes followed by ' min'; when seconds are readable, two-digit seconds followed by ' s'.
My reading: 7 h 43 min
